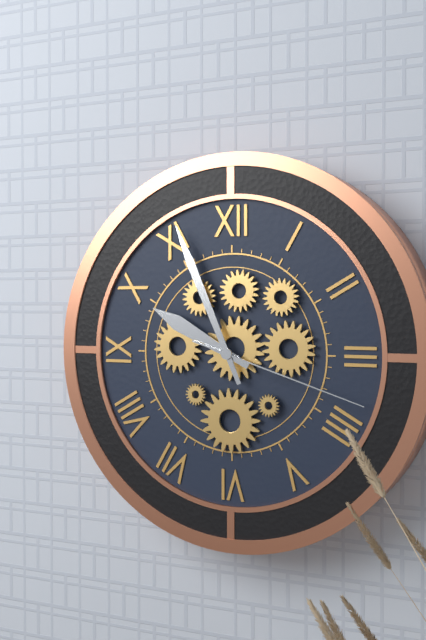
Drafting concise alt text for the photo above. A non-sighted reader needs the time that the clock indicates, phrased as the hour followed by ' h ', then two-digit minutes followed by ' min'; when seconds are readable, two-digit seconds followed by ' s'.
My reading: 9 h 56 min 18 s
